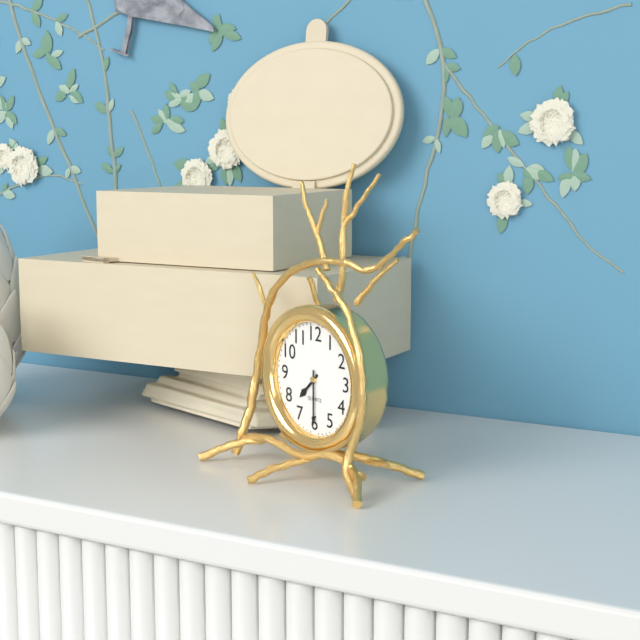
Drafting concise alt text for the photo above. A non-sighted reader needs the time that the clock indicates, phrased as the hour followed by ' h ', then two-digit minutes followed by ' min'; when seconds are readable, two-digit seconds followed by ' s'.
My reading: 7 h 30 min
